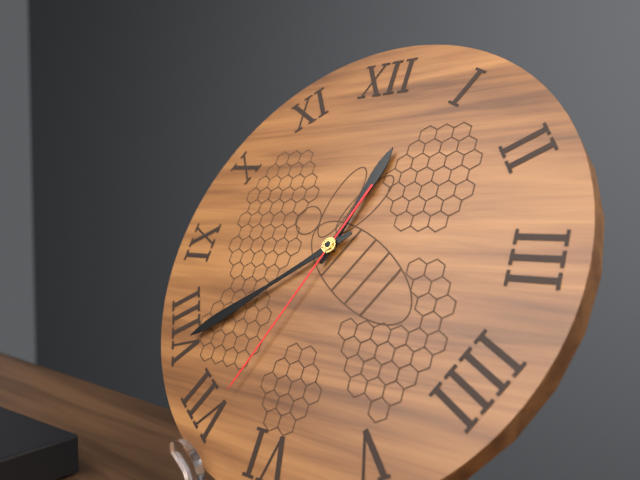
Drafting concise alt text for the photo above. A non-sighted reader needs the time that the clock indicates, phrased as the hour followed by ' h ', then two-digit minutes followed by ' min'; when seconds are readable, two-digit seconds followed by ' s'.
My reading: 12 h 39 min 34 s
